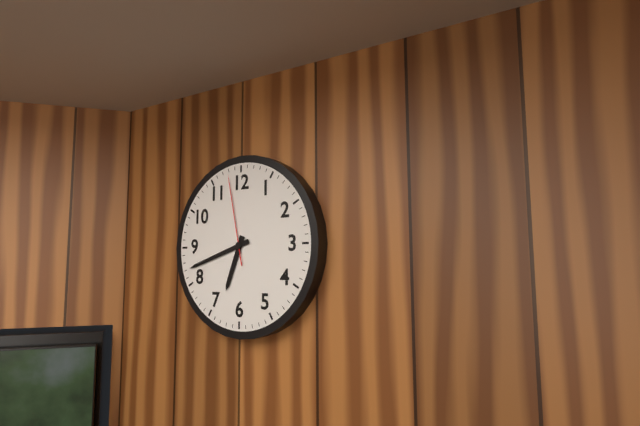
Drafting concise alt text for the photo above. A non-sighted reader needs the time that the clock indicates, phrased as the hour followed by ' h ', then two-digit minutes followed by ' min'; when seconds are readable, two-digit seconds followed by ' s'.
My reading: 6 h 42 min 58 s
